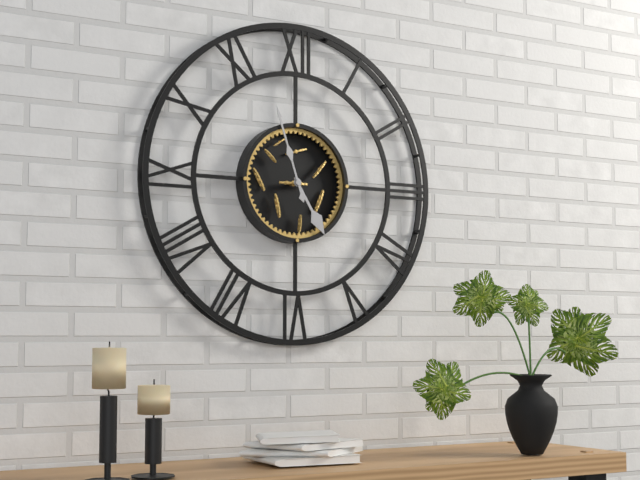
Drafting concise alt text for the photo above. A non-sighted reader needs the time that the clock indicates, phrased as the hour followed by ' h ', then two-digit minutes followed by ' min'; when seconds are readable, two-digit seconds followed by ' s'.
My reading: 4 h 57 min
